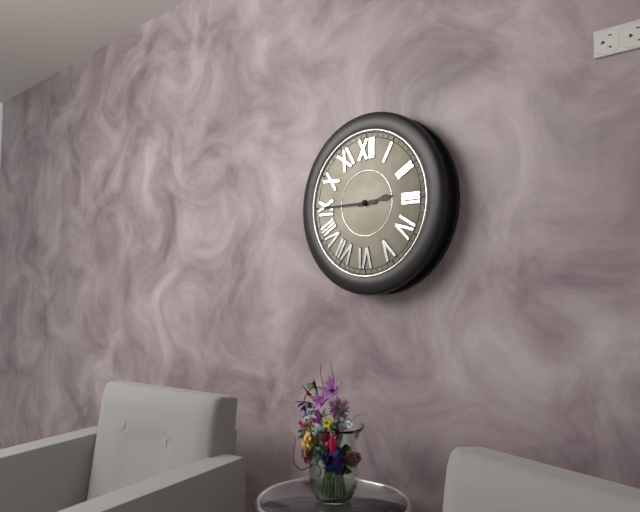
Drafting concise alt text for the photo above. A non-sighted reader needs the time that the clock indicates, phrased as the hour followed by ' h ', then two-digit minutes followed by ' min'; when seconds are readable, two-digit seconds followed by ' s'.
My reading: 2 h 45 min
